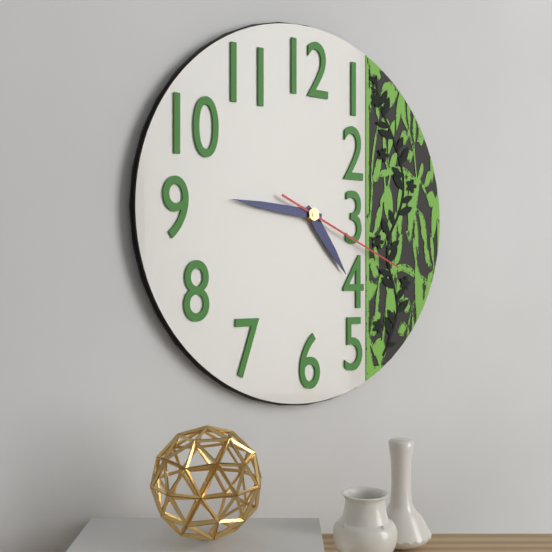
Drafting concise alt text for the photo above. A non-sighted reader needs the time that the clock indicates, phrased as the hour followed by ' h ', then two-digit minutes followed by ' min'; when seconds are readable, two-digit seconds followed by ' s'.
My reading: 4 h 46 min 19 s
